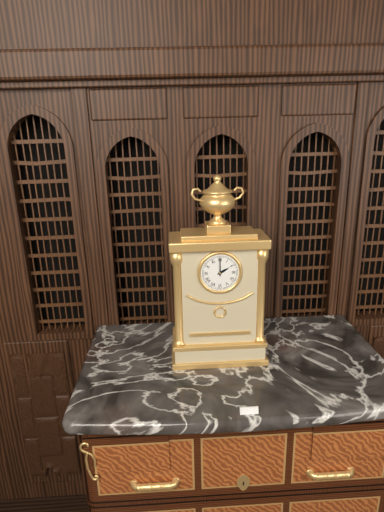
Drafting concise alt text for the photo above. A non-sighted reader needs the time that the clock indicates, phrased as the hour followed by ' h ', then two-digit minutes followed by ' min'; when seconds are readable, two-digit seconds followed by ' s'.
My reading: 2 h 00 min
